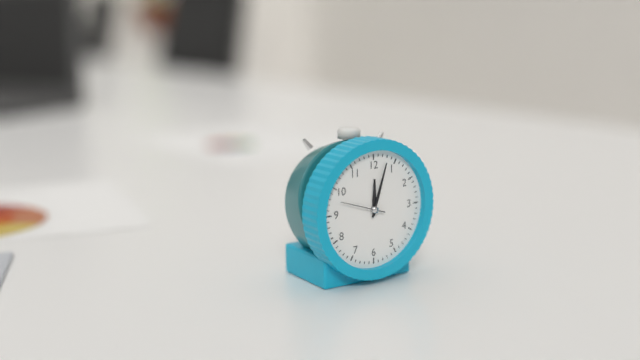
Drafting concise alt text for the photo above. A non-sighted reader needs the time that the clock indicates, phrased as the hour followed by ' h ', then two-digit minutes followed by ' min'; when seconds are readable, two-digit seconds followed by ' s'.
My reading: 12 h 03 min
